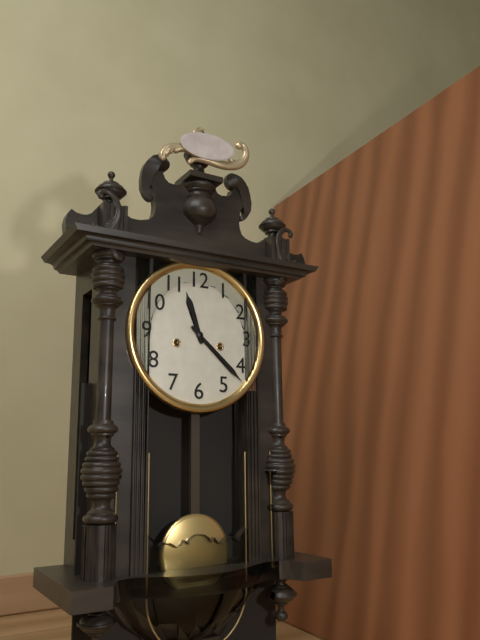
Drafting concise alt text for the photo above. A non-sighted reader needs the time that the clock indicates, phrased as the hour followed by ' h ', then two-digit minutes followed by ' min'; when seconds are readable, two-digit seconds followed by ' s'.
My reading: 11 h 22 min
